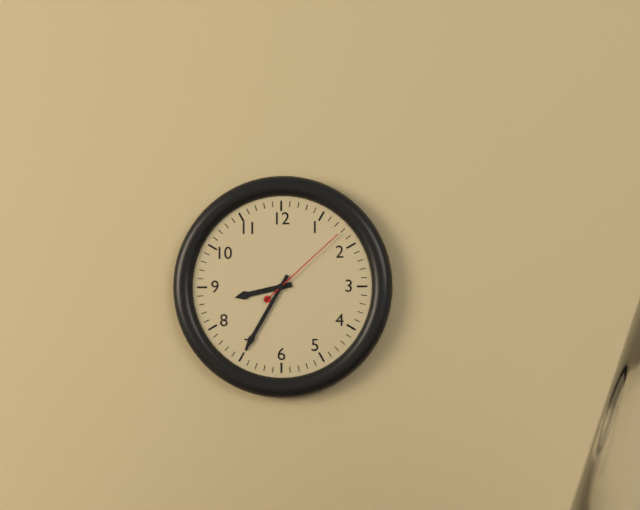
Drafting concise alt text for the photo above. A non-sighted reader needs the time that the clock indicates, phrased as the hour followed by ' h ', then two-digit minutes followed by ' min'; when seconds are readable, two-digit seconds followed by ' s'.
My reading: 8 h 35 min 08 s
